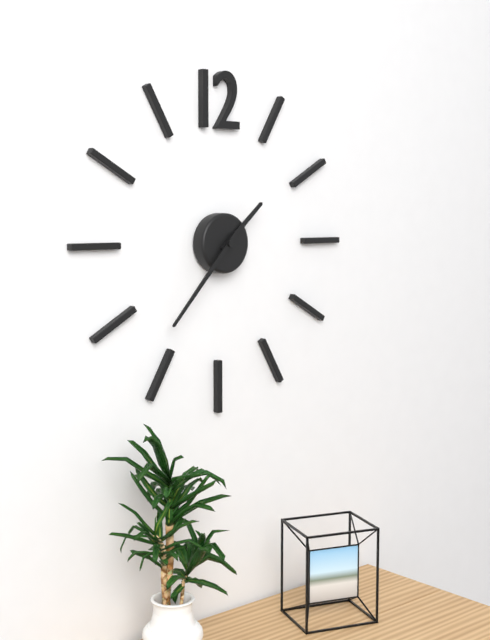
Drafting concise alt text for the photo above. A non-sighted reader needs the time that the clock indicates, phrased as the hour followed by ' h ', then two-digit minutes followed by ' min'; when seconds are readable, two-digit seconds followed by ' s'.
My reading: 1 h 37 min
